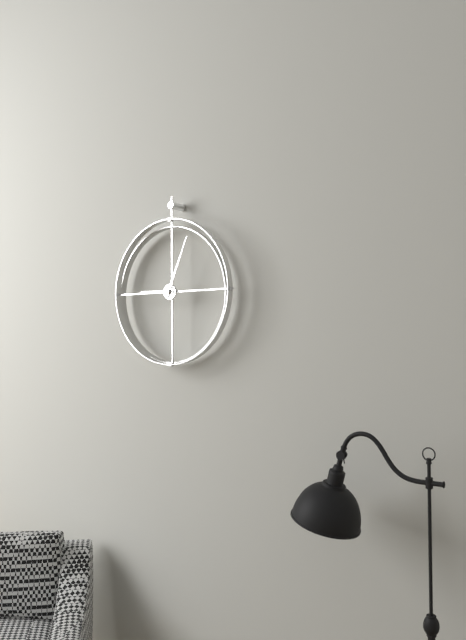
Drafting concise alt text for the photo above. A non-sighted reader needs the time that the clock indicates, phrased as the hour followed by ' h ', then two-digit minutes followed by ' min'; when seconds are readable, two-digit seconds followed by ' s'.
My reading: 9 h 04 min
